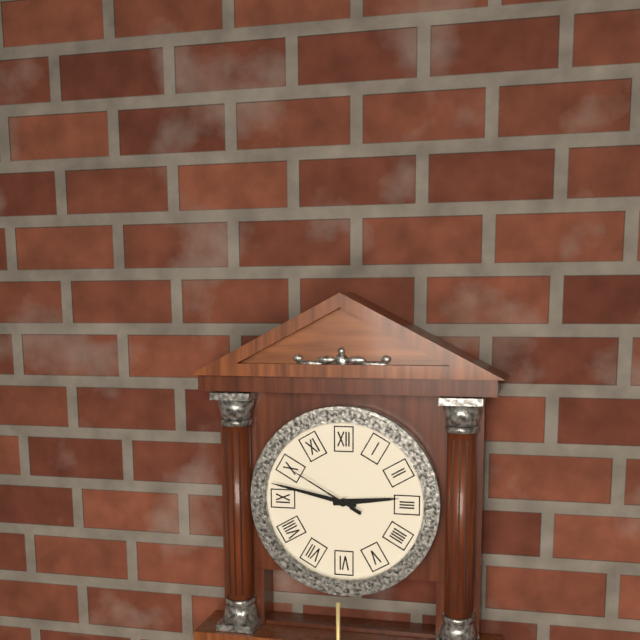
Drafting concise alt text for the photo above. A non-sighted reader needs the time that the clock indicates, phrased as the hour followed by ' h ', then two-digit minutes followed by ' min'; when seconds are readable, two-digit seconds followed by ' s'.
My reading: 2 h 47 min 50 s
